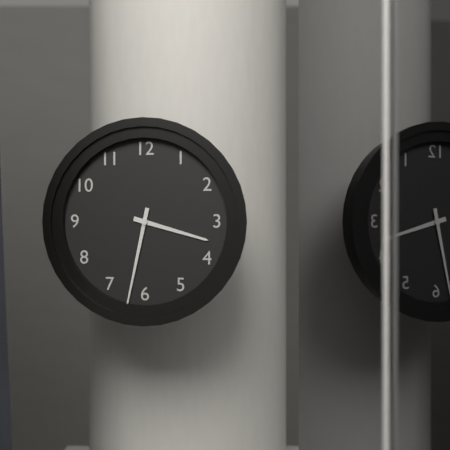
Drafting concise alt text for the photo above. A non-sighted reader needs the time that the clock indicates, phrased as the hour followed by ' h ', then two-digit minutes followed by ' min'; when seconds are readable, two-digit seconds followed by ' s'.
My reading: 3 h 32 min
